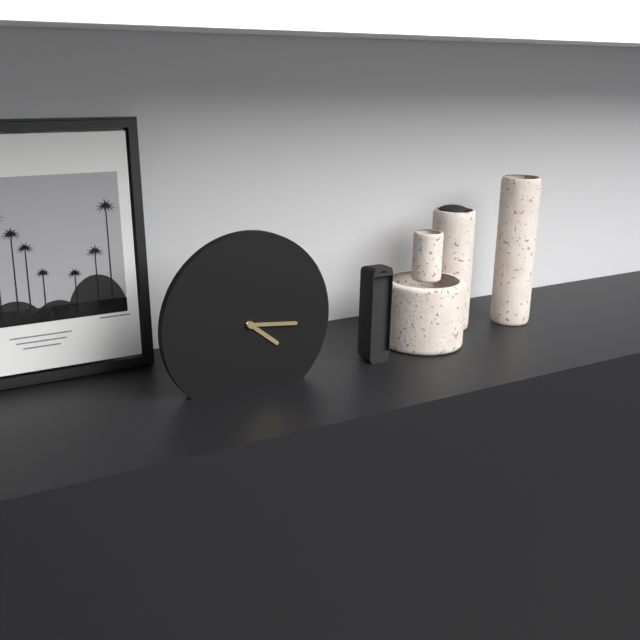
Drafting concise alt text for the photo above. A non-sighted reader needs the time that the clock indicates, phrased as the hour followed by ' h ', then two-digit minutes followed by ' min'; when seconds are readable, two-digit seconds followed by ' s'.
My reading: 4 h 16 min
